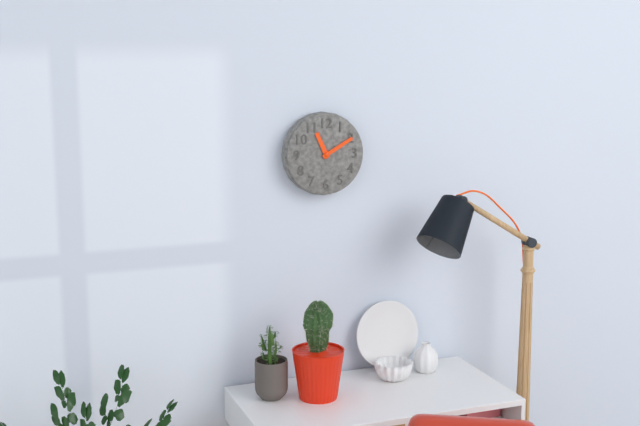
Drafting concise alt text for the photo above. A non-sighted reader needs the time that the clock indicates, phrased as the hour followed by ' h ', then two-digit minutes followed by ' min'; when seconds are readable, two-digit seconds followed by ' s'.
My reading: 11 h 10 min
